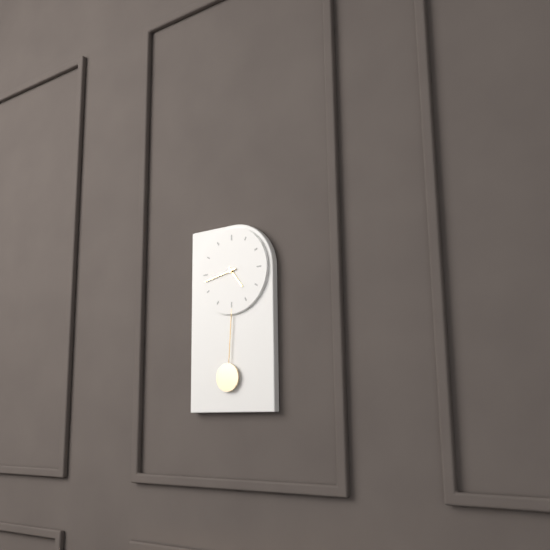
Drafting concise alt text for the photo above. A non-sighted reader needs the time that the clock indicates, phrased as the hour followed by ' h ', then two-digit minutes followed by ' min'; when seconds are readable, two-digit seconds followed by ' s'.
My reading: 4 h 43 min
